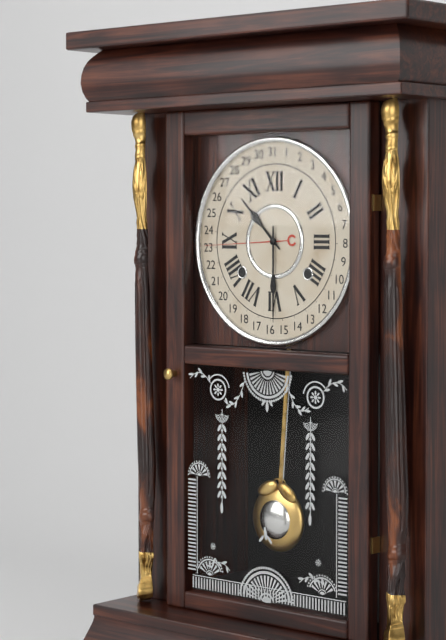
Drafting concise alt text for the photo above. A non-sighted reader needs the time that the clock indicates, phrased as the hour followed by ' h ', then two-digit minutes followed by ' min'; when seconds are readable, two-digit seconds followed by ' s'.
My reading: 10 h 30 min
